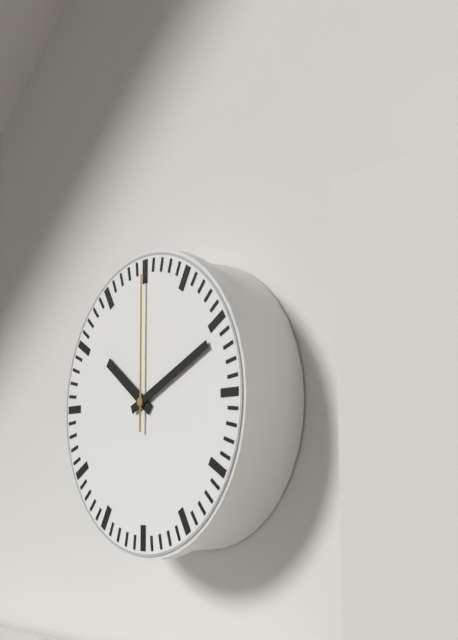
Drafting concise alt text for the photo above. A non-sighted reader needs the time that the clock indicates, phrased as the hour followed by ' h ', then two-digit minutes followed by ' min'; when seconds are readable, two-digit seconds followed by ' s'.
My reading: 10 h 11 min 00 s
